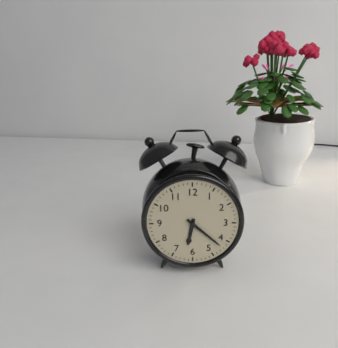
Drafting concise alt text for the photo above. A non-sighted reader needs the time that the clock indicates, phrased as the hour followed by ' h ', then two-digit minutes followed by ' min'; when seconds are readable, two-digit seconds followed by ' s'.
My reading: 6 h 22 min
